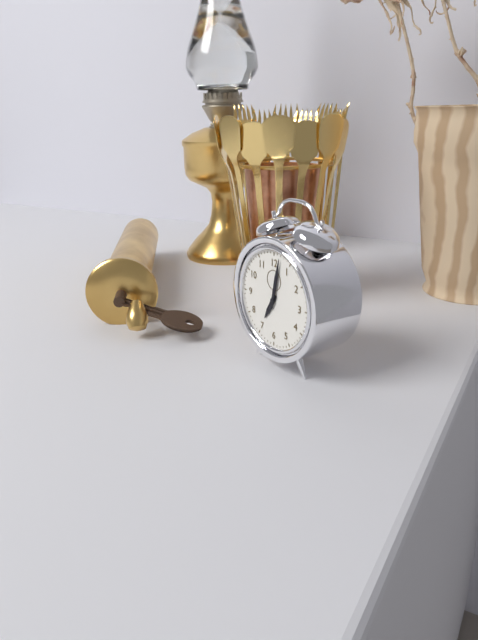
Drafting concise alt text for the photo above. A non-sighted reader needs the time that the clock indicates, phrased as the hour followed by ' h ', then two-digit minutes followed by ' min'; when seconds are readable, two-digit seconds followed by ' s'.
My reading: 7 h 02 min
